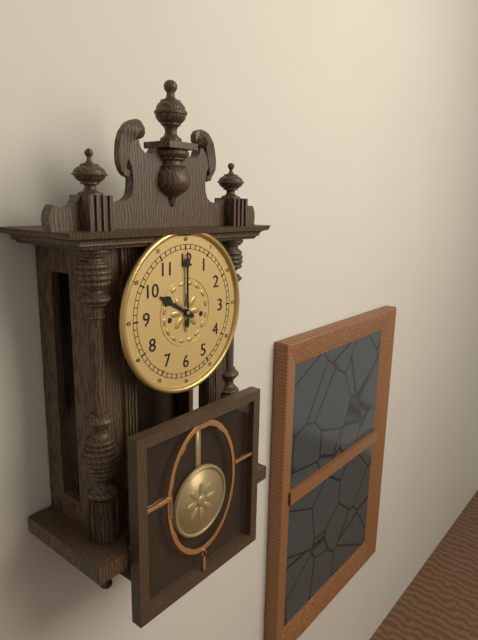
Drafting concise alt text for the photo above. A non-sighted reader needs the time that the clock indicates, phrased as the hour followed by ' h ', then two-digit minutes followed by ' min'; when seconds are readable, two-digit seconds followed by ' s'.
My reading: 10 h 00 min
